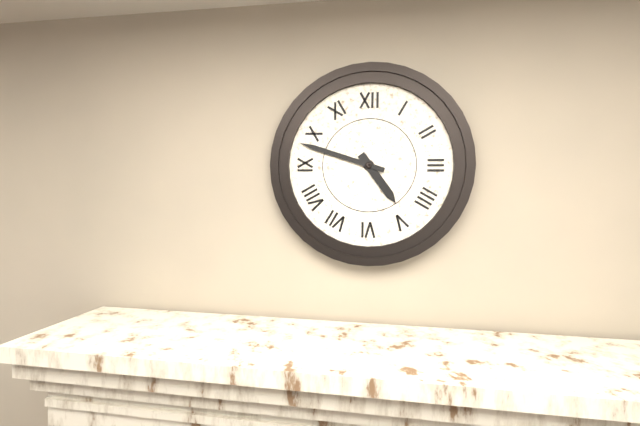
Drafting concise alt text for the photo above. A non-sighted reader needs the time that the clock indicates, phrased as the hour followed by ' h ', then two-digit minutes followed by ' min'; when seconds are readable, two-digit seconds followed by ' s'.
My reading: 4 h 48 min
